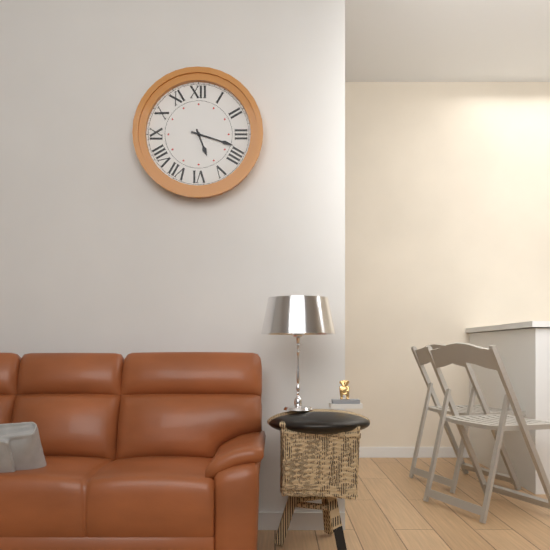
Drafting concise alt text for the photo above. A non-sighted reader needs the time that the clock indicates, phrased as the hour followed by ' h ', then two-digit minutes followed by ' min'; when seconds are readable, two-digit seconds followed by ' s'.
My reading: 5 h 18 min
